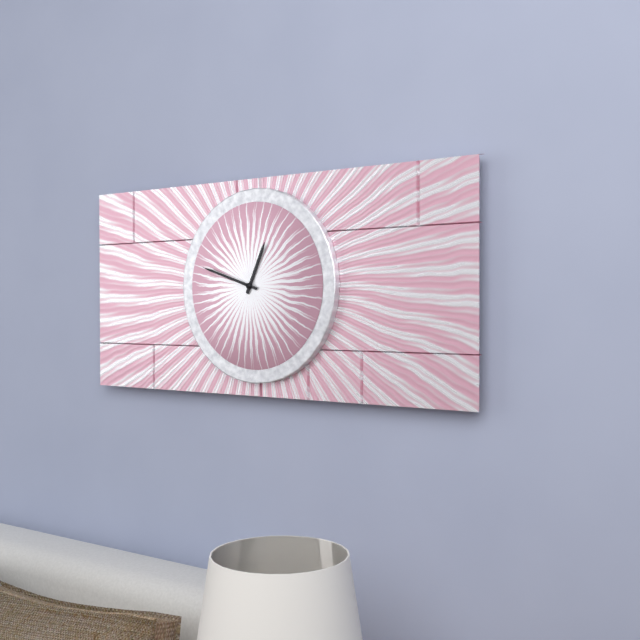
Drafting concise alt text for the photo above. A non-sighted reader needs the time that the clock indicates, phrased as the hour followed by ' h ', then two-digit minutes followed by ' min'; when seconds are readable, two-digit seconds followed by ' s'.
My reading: 12 h 48 min
